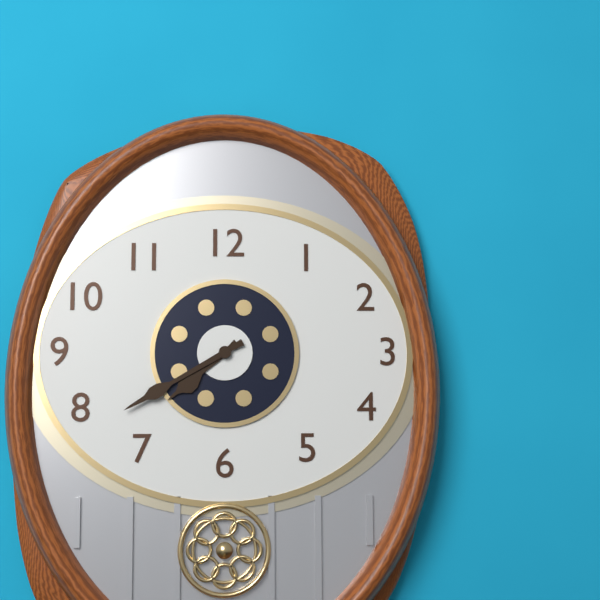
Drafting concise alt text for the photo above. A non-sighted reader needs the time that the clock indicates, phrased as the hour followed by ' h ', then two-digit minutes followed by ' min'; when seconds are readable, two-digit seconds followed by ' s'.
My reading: 7 h 40 min
